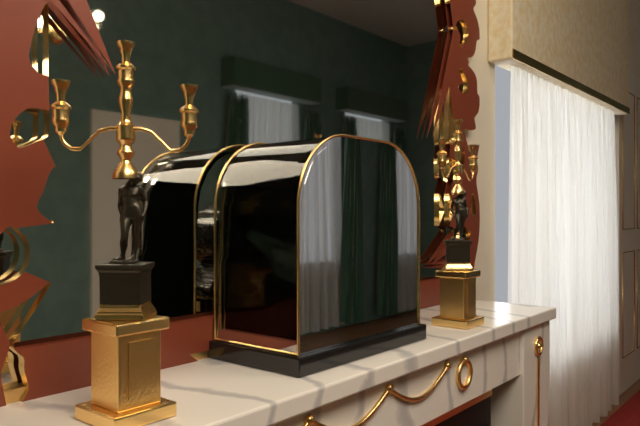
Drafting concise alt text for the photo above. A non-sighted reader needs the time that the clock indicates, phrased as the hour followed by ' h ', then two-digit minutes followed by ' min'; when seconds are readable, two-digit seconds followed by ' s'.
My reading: 2 h 58 min
